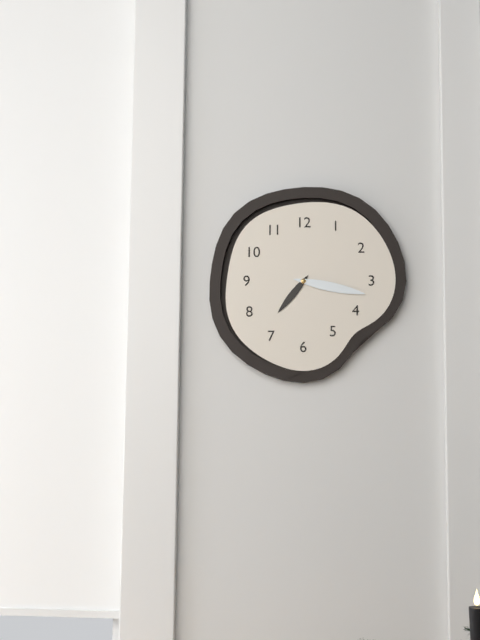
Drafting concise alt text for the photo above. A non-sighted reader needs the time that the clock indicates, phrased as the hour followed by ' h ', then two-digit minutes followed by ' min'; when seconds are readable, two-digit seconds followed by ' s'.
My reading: 7 h 17 min
